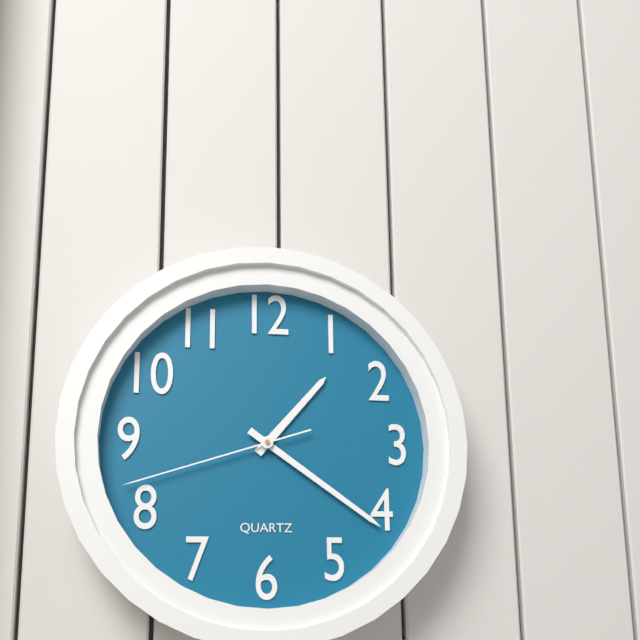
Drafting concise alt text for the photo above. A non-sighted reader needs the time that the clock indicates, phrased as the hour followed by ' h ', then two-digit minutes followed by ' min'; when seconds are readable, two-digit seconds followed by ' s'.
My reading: 1 h 21 min 42 s
